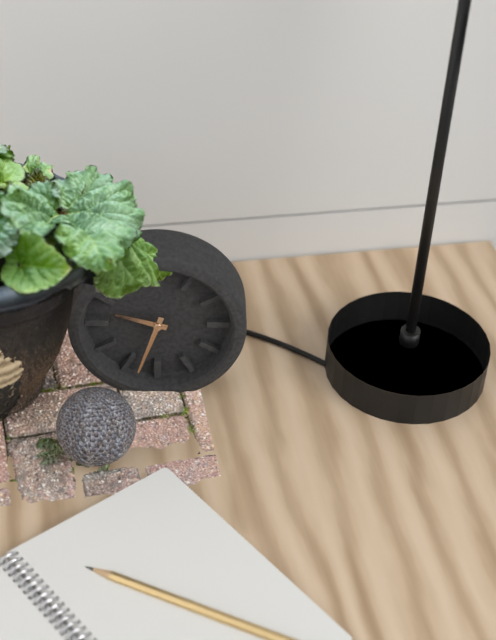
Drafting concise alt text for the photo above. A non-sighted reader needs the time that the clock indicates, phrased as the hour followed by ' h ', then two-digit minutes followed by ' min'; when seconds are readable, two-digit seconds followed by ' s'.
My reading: 9 h 33 min
